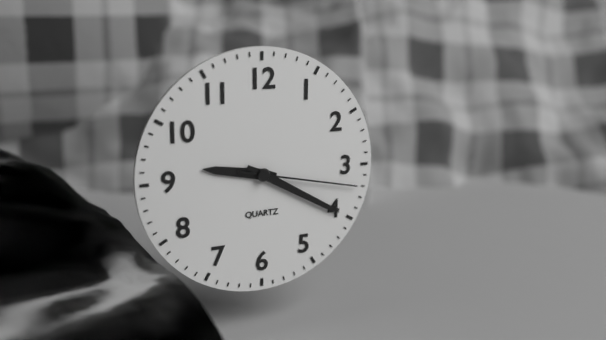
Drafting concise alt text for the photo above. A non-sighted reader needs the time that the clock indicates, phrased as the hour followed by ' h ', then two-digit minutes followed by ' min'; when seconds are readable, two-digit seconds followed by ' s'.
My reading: 9 h 20 min 17 s
